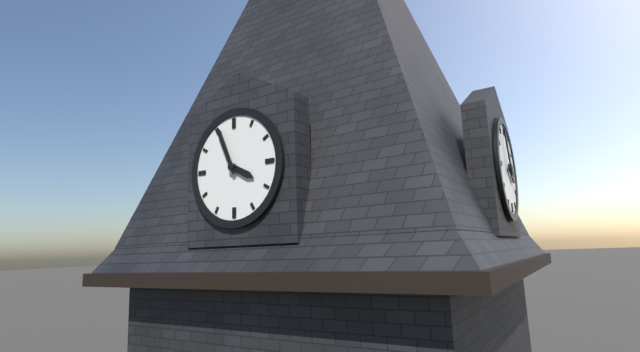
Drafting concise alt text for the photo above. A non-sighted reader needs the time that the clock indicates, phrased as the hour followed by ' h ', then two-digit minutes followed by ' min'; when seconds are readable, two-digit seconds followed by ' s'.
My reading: 3 h 56 min
